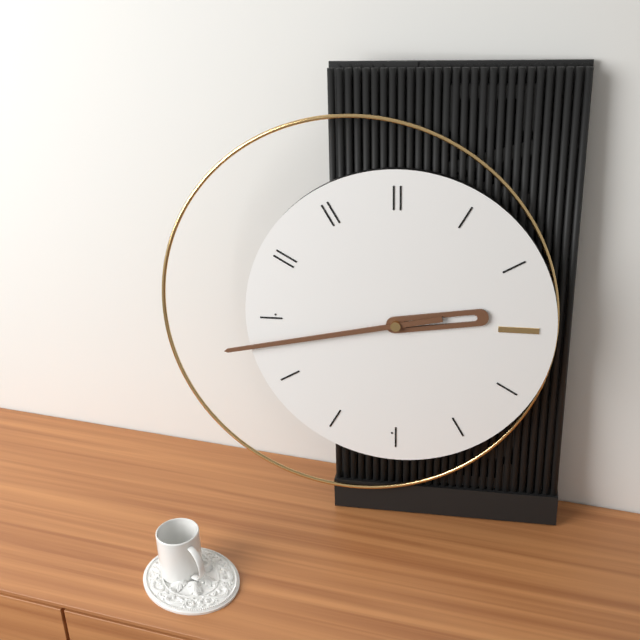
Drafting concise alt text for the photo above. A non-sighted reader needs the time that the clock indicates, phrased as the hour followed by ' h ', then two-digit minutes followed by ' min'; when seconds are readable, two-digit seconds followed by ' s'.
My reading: 2 h 43 min
